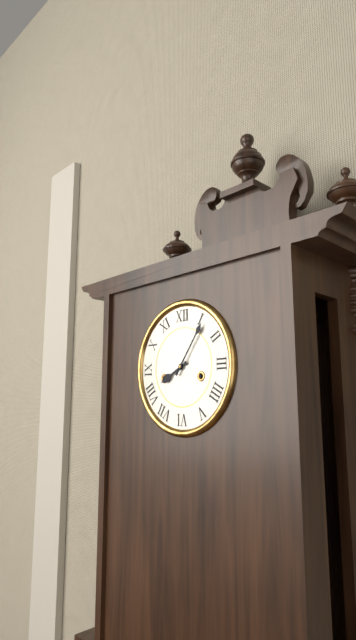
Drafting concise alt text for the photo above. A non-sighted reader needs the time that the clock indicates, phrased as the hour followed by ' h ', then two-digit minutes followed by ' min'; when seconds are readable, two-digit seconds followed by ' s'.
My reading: 8 h 06 min
